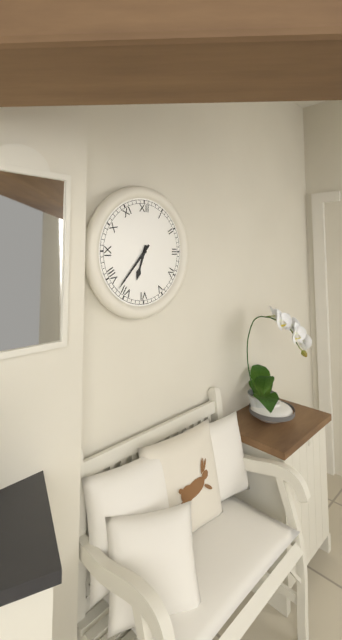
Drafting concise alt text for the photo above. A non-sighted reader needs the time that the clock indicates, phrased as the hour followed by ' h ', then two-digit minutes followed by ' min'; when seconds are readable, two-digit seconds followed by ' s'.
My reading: 6 h 37 min
